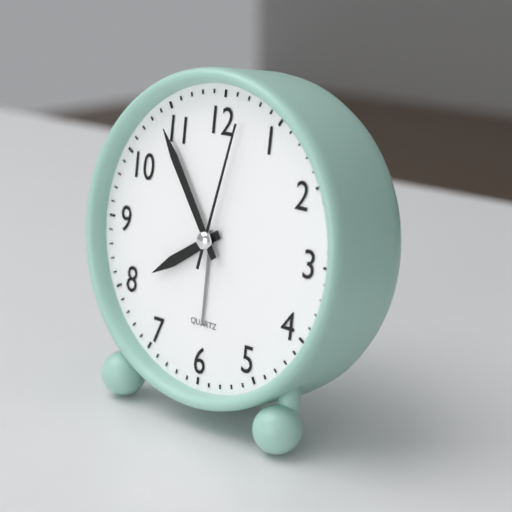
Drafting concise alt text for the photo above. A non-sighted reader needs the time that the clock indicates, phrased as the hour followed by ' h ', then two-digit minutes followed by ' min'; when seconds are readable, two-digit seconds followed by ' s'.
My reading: 7 h 54 min 02 s
